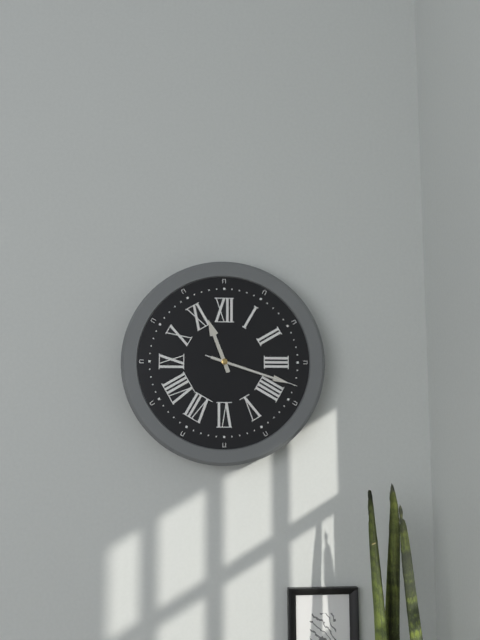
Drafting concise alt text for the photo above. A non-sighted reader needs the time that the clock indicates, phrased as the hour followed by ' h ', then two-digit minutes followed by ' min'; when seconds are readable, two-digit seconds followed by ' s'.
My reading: 11 h 18 min 18 s
